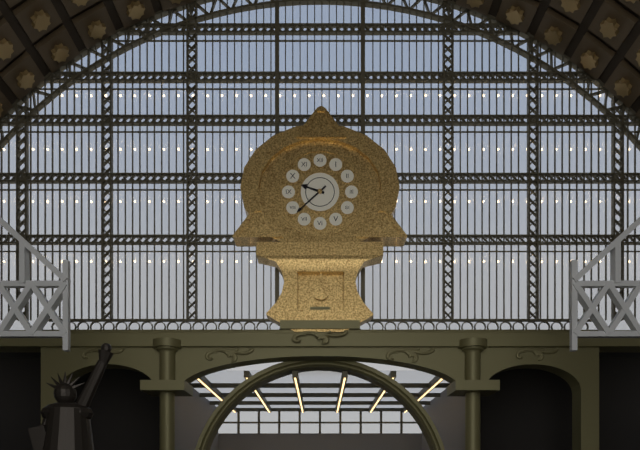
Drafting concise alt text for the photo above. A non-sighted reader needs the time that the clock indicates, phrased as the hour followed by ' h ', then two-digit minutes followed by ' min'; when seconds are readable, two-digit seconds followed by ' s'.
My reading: 9 h 38 min
